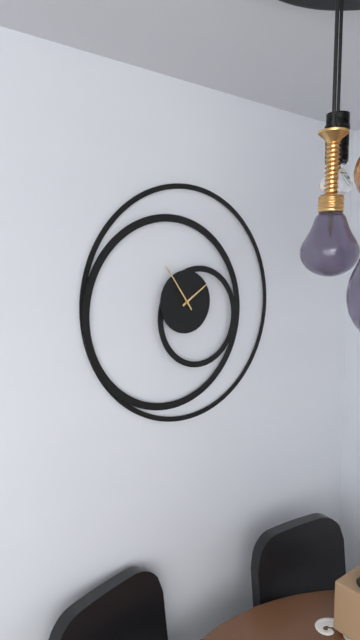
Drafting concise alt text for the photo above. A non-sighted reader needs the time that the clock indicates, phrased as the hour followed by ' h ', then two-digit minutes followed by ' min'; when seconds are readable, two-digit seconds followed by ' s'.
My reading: 1 h 54 min
